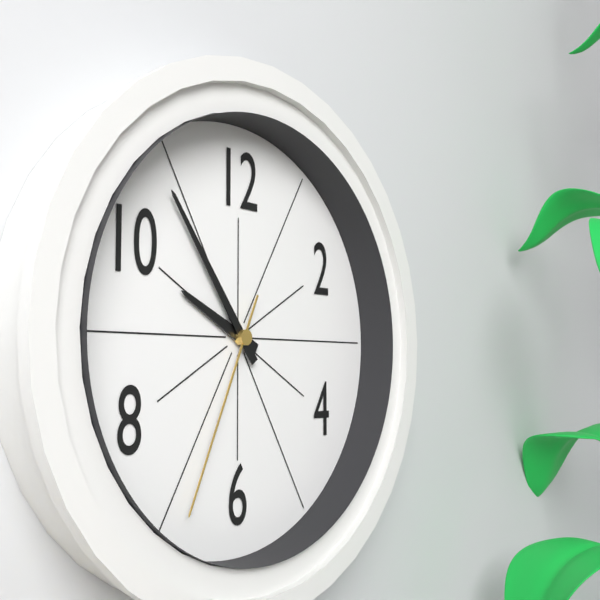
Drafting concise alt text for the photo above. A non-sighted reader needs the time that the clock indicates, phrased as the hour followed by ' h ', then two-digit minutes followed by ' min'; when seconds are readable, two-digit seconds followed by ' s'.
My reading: 9 h 54 min 34 s
